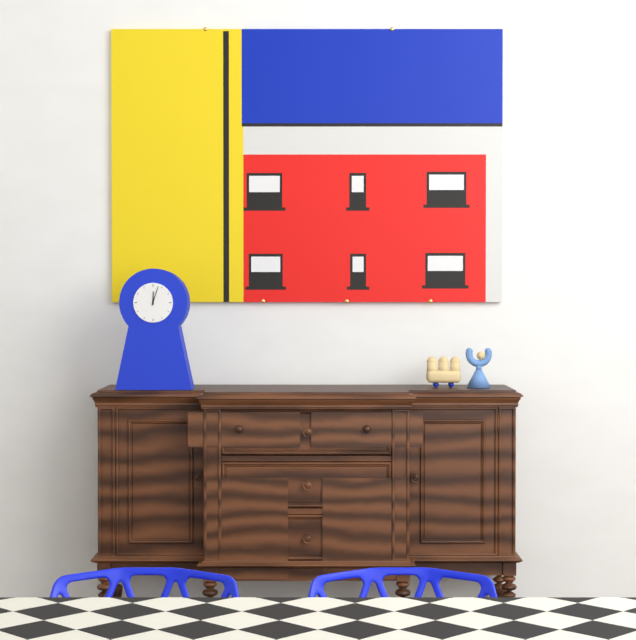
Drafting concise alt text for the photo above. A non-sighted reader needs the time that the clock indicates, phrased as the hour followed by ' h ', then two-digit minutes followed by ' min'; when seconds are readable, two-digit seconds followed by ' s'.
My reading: 12 h 03 min
